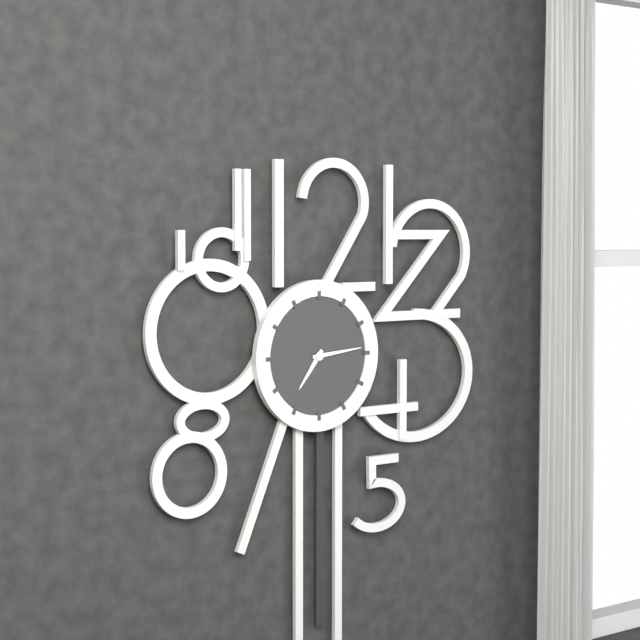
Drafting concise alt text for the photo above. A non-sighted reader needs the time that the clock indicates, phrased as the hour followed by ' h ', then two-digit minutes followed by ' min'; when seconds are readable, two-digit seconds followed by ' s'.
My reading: 7 h 14 min
